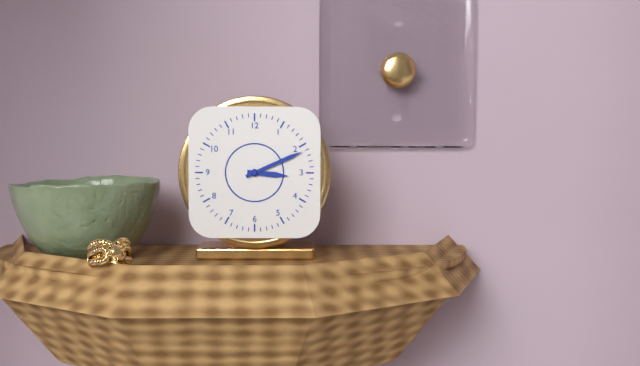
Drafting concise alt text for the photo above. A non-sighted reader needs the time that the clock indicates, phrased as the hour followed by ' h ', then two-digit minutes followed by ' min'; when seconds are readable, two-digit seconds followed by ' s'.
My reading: 3 h 11 min
